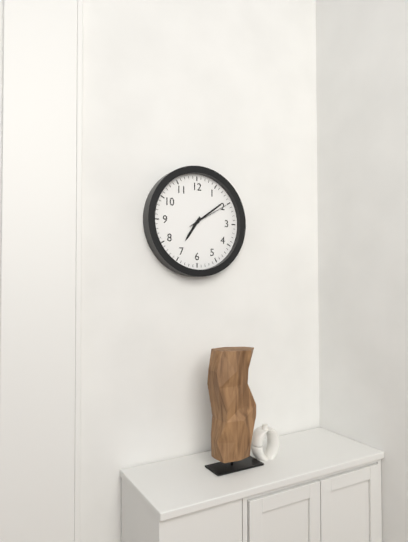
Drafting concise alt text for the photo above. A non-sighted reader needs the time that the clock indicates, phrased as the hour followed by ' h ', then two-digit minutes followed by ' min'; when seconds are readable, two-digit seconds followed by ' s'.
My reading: 7 h 09 min
